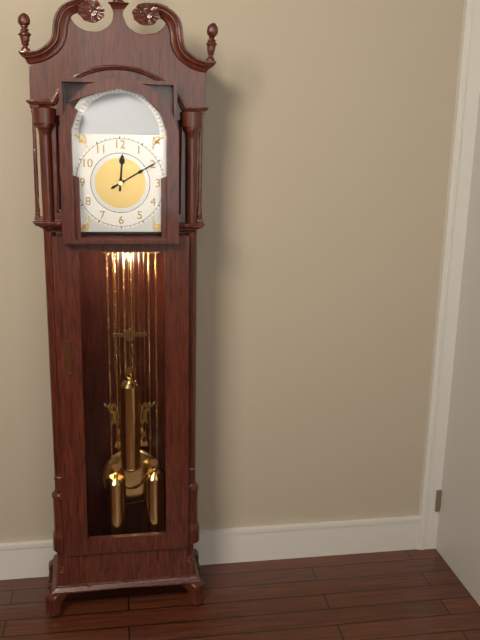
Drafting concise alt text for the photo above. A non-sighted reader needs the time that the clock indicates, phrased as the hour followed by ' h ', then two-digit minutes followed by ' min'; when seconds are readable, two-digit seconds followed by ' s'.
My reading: 12 h 10 min
